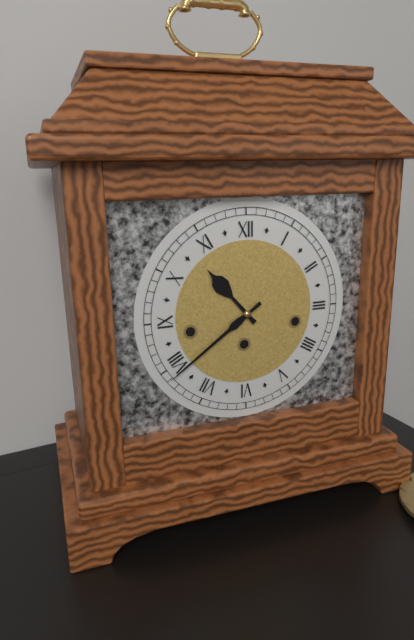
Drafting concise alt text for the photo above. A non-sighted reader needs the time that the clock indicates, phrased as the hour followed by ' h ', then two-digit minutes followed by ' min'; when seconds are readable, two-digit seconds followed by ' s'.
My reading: 10 h 39 min
